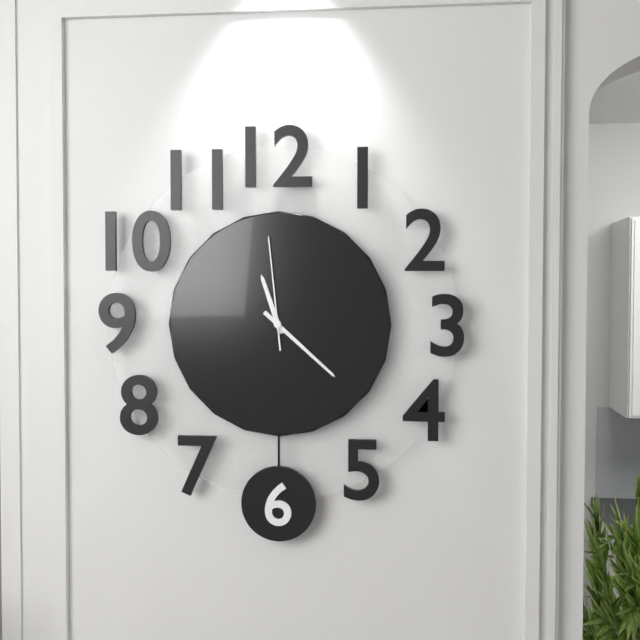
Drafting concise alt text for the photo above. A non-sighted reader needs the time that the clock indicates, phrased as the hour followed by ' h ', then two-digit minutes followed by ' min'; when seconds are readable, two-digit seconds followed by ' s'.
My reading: 11 h 22 min 59 s
